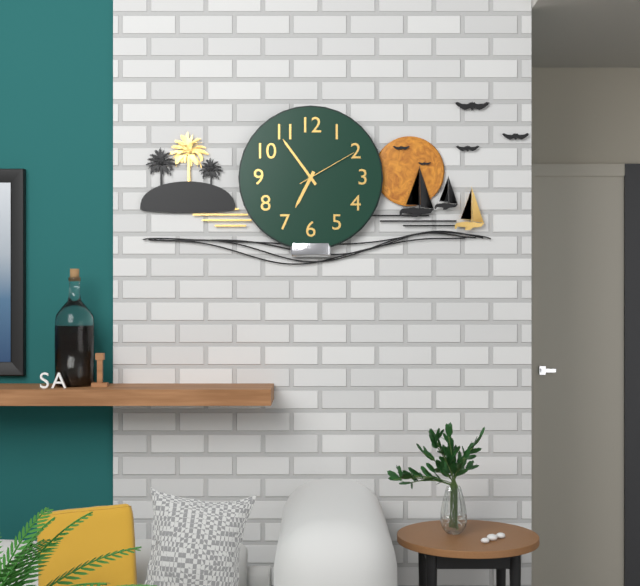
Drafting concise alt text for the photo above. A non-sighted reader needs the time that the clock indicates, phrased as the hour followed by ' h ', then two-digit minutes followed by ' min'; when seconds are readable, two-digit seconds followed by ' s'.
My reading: 6 h 54 min 10 s
